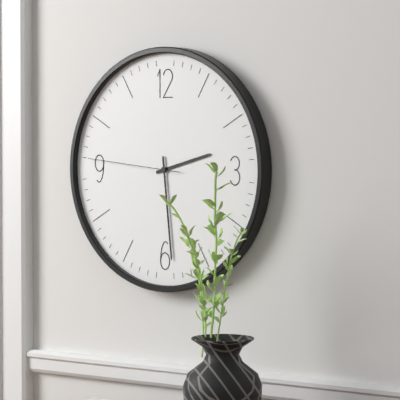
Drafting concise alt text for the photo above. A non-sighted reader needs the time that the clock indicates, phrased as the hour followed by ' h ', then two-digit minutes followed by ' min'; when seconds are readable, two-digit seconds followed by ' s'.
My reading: 2 h 29 min 46 s
